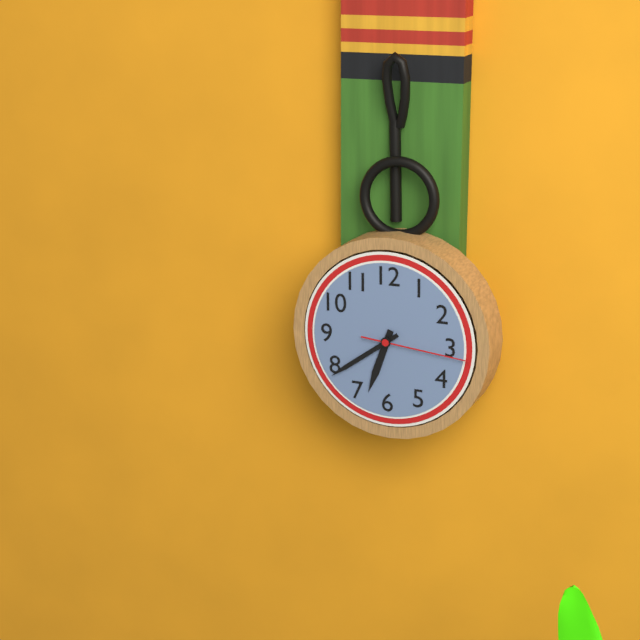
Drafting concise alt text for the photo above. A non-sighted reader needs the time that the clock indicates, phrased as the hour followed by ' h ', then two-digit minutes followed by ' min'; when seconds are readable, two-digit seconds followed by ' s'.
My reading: 6 h 39 min 16 s
